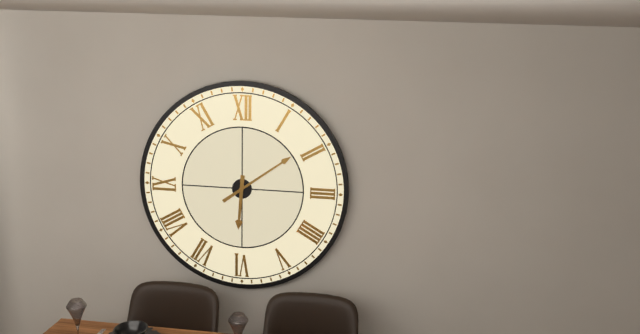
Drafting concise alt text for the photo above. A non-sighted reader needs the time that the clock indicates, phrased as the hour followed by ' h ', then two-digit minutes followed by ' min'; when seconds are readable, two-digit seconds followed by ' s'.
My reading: 6 h 09 min
